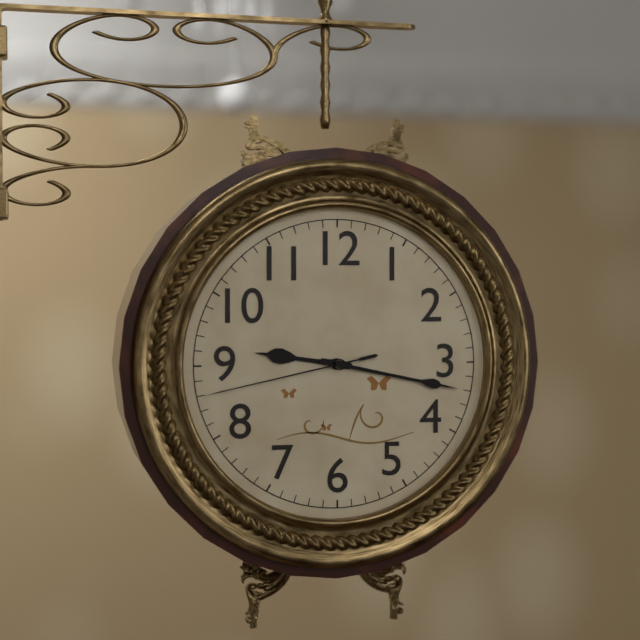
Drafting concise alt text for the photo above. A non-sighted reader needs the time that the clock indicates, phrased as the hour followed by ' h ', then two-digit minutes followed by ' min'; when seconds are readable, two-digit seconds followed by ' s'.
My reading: 9 h 17 min 43 s
